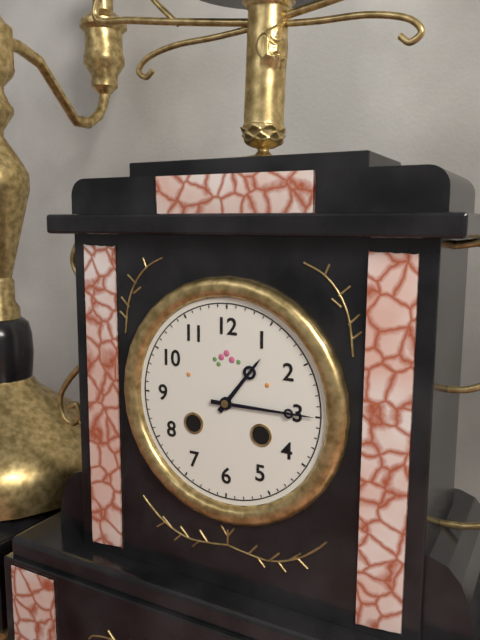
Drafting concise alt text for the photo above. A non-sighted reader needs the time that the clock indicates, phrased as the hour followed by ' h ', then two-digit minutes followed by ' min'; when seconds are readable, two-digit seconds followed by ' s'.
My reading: 1 h 15 min
